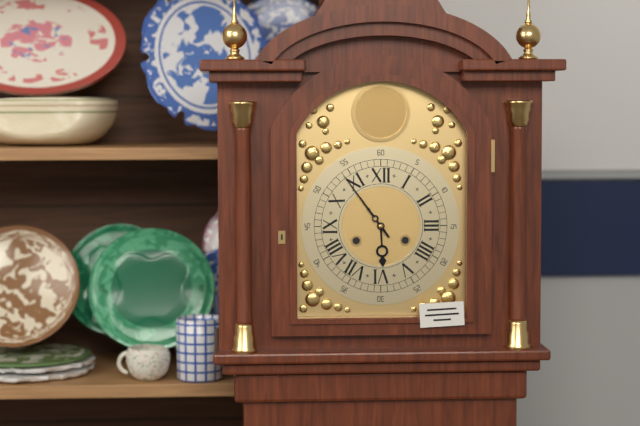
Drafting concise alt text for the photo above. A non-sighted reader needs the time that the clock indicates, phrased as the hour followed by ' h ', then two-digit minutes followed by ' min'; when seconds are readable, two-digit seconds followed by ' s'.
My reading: 5 h 54 min
